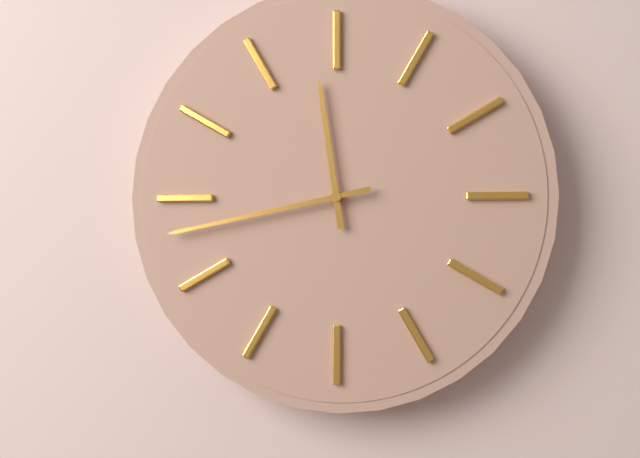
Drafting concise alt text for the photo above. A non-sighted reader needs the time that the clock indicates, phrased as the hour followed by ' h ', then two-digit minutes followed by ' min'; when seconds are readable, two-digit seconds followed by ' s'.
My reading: 11 h 43 min
